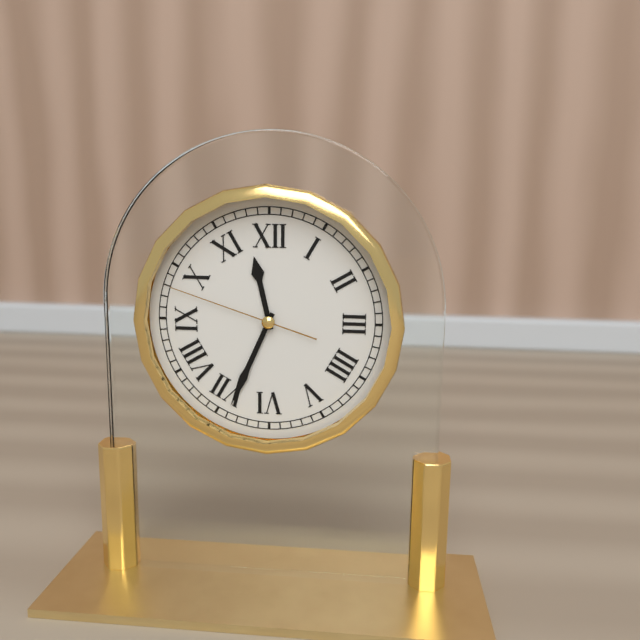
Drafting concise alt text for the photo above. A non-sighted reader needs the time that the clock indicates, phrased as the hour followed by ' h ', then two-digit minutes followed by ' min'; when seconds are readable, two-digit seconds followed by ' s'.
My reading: 11 h 34 min 48 s
